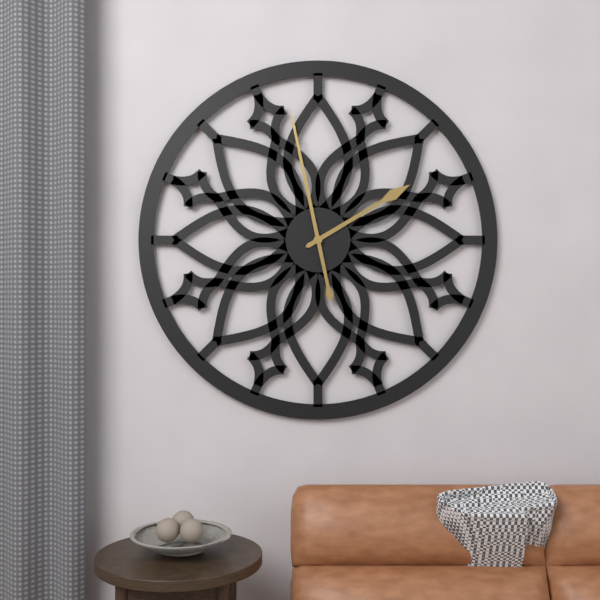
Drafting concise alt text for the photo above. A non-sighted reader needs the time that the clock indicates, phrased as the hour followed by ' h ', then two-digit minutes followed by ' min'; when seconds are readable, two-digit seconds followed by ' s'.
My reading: 1 h 58 min
